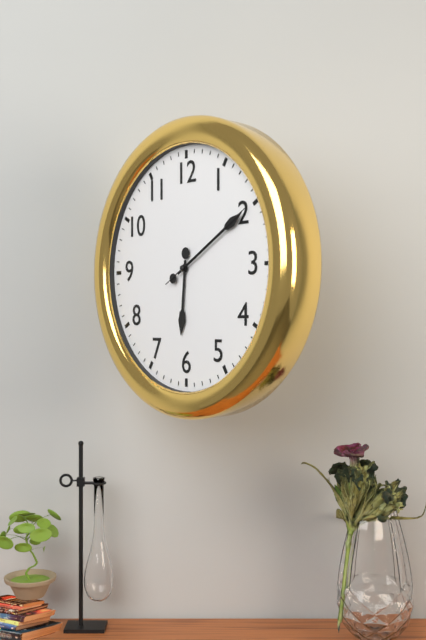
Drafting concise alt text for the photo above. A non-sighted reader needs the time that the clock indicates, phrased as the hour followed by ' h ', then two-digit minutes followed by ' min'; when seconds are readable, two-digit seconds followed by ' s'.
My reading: 6 h 10 min 10 s
